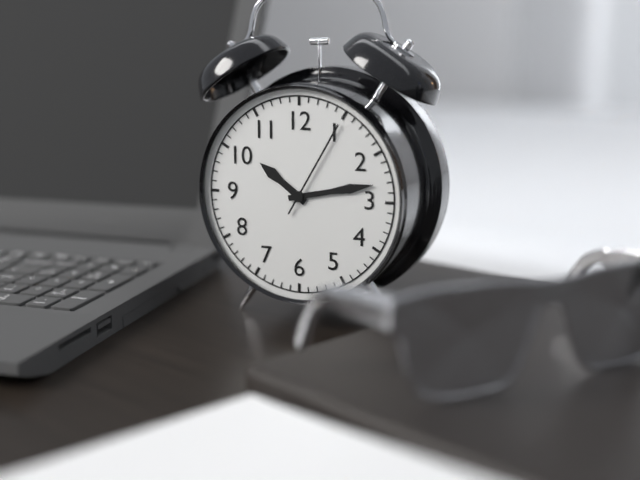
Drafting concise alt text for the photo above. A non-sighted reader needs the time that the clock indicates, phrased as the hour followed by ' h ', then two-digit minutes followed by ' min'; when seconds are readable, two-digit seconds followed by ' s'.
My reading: 10 h 13 min 05 s
